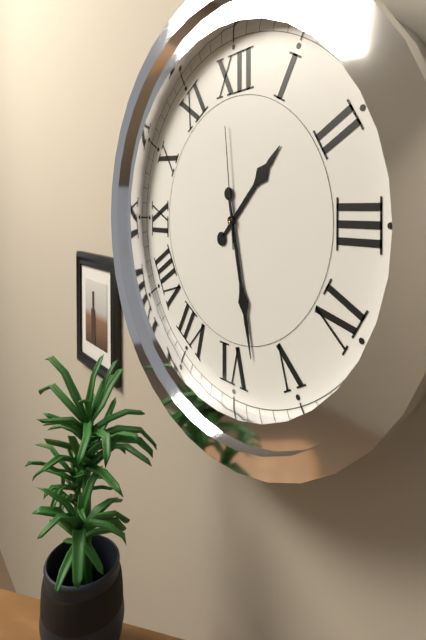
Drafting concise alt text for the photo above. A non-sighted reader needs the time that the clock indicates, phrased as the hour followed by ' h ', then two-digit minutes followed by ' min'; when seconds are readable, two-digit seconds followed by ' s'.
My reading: 1 h 28 min 59 s
